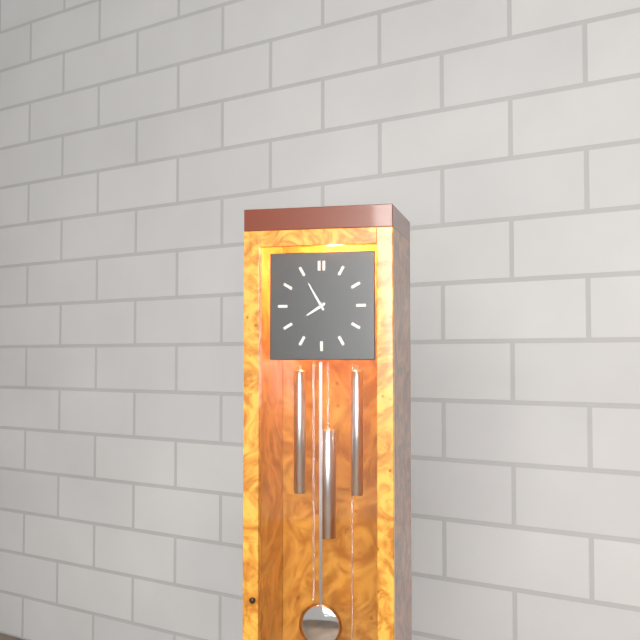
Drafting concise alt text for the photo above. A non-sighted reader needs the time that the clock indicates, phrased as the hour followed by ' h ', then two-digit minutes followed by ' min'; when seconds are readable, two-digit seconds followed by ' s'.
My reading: 7 h 55 min
